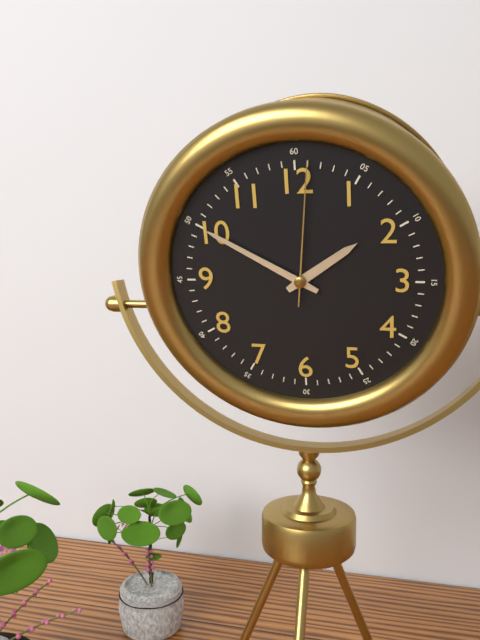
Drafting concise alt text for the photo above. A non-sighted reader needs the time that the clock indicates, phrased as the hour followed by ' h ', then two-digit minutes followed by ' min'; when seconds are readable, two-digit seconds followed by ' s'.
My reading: 1 h 50 min 01 s
